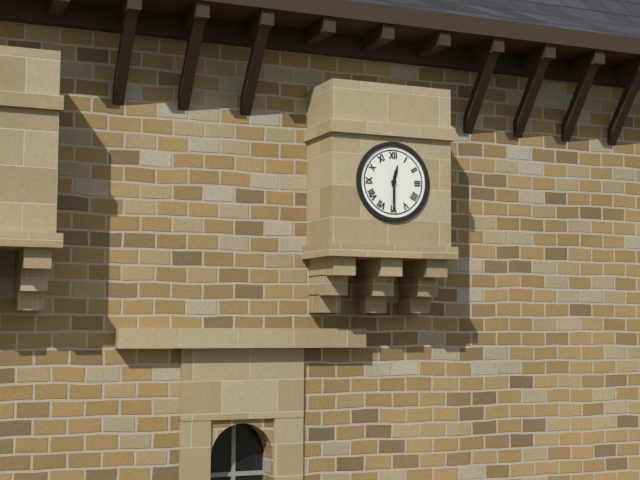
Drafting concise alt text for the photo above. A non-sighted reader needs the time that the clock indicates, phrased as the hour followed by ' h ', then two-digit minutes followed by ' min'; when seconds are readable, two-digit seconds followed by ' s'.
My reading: 12 h 30 min
